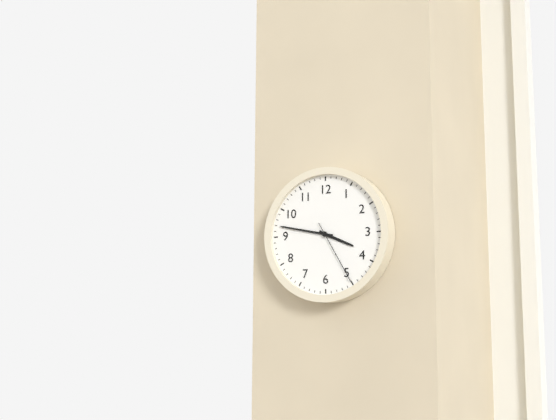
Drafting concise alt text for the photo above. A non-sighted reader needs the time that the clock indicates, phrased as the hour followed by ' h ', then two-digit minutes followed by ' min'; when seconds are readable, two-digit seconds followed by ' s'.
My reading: 3 h 47 min 25 s
